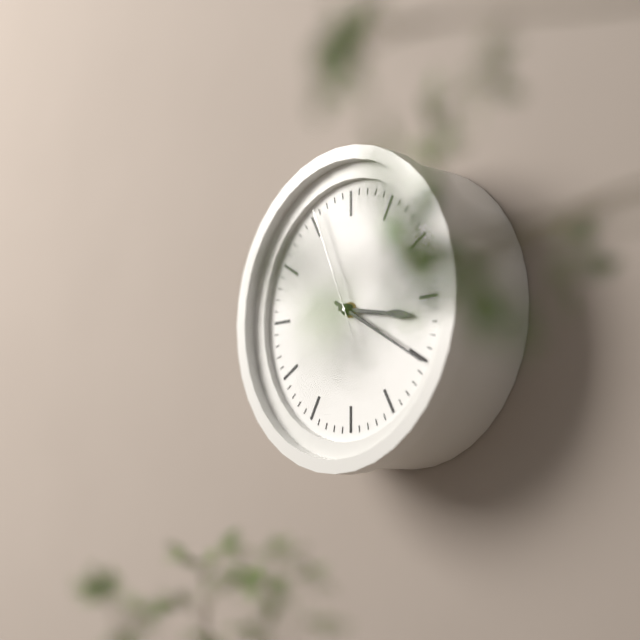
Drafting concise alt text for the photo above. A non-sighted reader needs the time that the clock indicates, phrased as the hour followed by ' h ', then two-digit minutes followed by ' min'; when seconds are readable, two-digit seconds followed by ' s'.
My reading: 3 h 20 min 56 s
